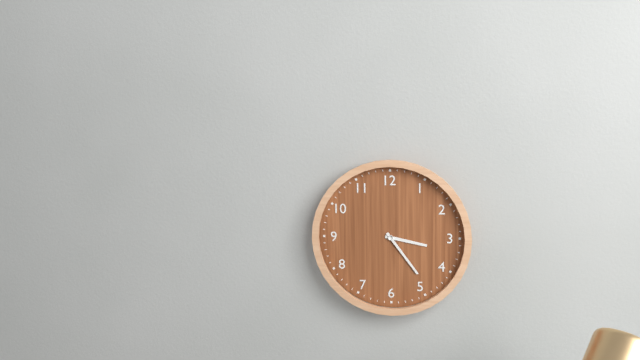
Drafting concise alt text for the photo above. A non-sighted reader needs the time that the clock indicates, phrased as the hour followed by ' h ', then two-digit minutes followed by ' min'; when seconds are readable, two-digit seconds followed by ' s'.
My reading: 3 h 24 min
